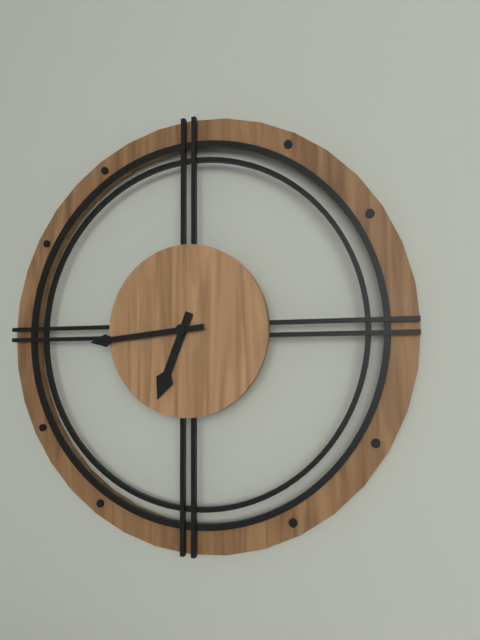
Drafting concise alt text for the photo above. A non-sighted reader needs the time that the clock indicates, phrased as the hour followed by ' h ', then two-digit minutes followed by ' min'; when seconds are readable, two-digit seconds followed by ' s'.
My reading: 6 h 44 min
